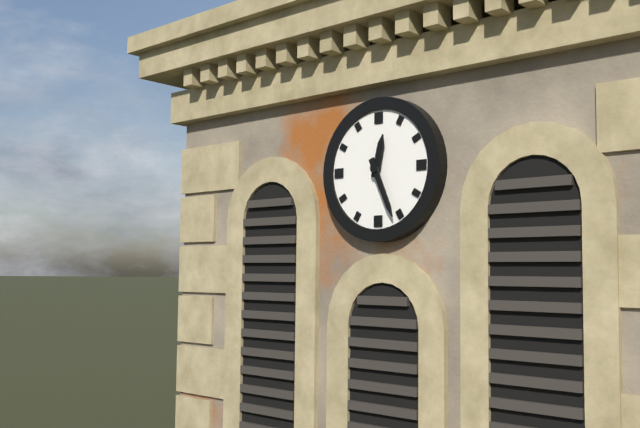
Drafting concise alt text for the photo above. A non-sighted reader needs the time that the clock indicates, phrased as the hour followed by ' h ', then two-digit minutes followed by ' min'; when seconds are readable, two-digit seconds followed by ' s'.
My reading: 12 h 26 min
